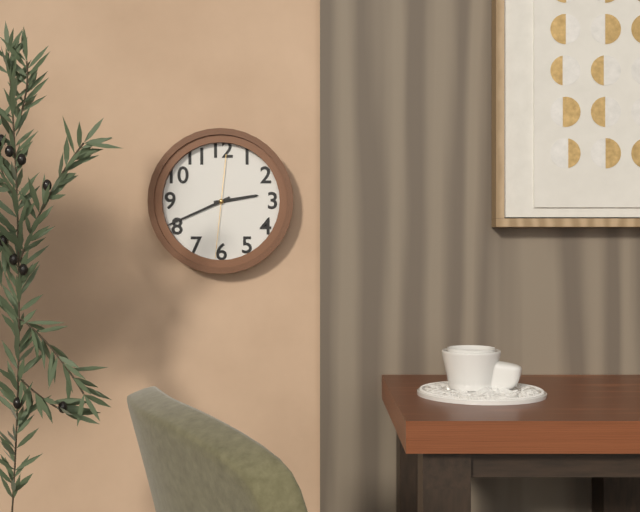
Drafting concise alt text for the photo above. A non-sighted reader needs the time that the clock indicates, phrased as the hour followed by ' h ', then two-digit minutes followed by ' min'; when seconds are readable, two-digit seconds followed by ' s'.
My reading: 2 h 41 min 31 s
